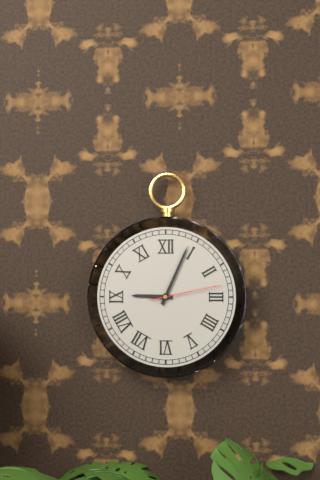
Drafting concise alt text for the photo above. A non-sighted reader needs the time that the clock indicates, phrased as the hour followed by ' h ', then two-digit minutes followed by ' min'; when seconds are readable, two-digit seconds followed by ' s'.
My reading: 9 h 04 min 13 s
